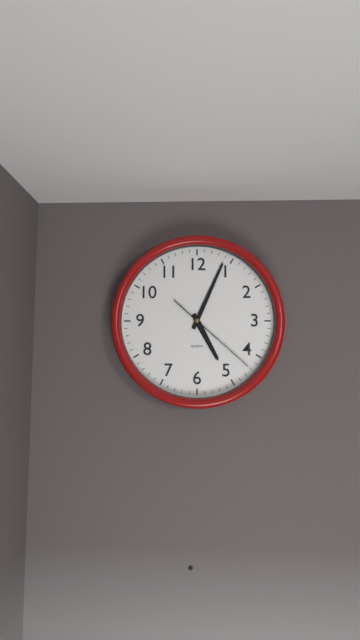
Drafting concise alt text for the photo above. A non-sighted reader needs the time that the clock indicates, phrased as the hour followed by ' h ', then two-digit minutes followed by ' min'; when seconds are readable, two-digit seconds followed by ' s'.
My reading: 5 h 04 min 22 s
